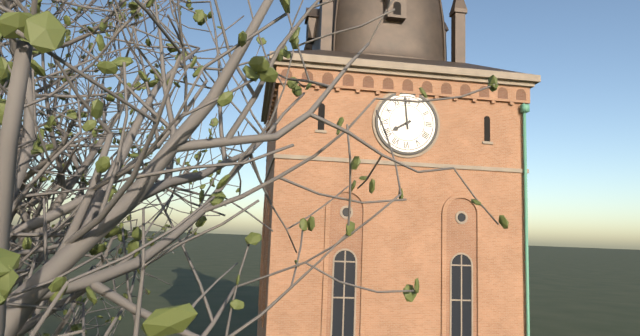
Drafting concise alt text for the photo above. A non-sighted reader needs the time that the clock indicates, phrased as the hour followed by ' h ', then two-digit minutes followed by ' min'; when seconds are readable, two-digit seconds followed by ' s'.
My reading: 7 h 59 min
